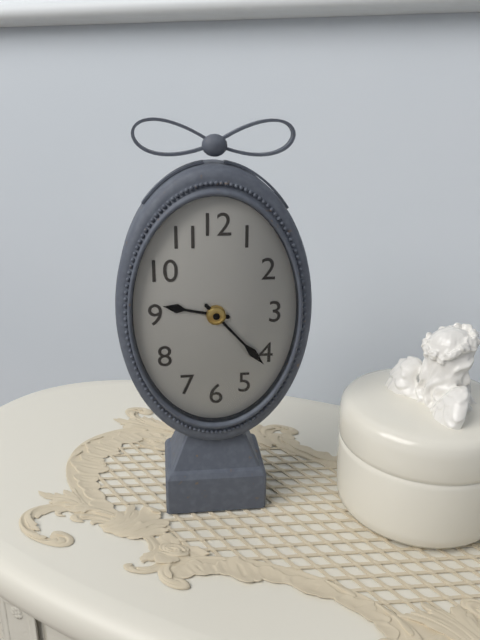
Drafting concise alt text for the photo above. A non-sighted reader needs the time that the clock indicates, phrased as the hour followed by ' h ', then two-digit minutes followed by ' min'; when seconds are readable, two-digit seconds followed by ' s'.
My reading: 9 h 23 min
